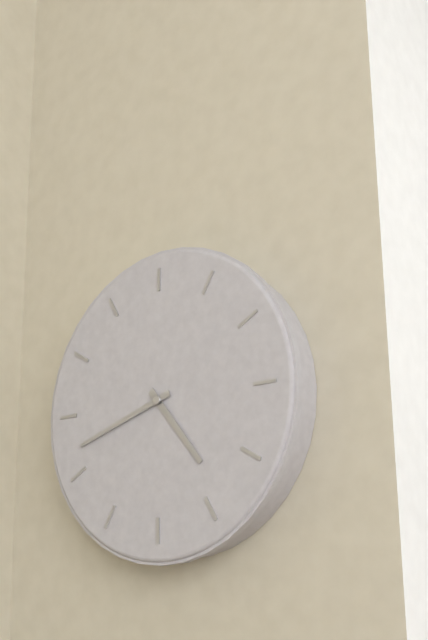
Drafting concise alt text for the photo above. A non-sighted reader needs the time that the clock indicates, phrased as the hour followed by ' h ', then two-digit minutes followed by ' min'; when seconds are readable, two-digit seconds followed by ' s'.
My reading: 4 h 42 min
